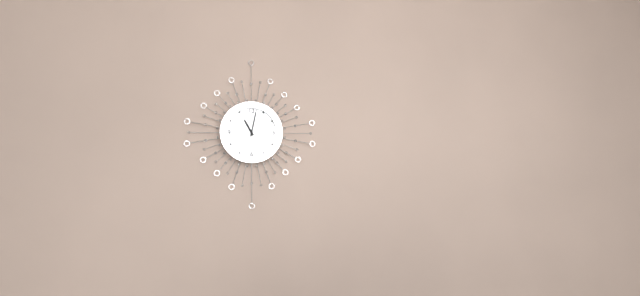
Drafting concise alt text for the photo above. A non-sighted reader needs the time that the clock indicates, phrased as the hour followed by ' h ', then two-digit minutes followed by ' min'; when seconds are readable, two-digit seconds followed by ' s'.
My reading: 11 h 02 min
